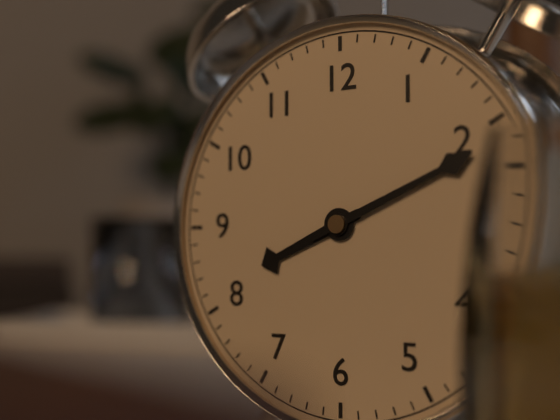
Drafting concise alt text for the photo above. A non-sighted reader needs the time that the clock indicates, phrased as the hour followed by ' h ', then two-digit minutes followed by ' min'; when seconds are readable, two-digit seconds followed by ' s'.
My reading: 8 h 11 min
